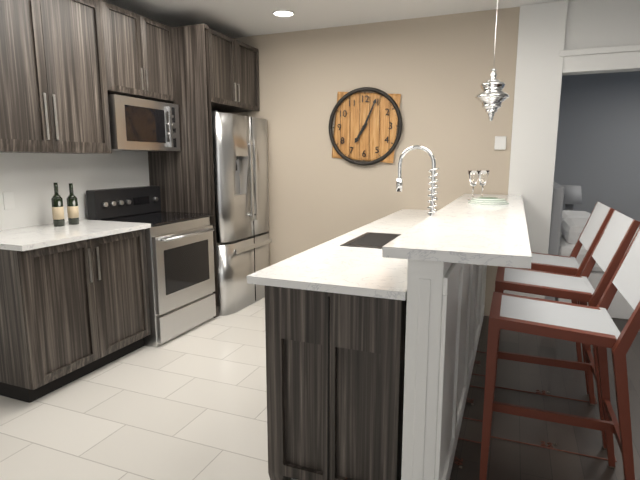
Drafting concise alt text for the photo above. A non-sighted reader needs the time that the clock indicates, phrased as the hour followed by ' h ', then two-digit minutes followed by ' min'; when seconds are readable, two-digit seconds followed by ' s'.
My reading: 7 h 04 min
